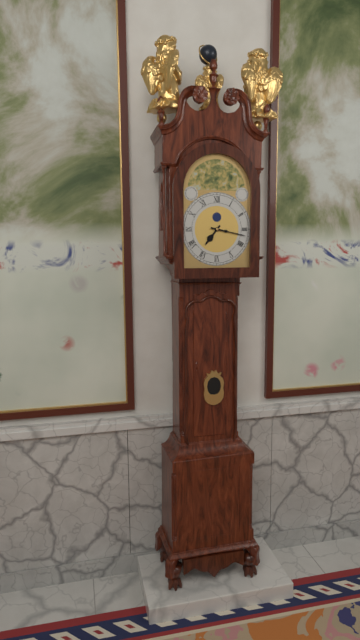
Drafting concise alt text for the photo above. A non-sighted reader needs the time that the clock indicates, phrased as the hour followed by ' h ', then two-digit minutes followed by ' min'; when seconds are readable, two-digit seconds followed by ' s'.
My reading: 7 h 17 min
